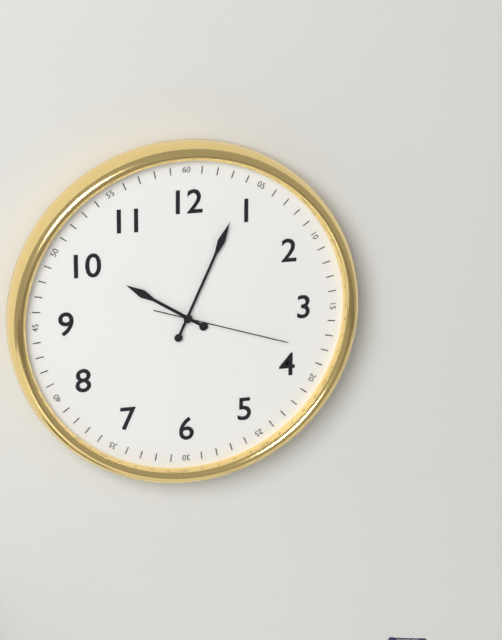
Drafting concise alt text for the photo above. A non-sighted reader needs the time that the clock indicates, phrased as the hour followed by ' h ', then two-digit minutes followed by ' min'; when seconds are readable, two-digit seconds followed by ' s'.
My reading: 10 h 04 min 18 s
